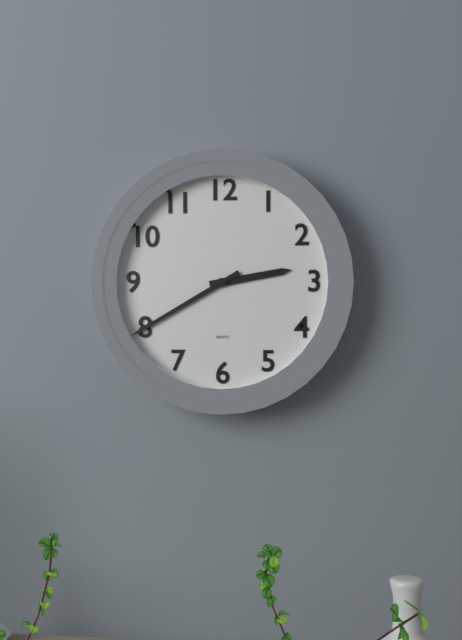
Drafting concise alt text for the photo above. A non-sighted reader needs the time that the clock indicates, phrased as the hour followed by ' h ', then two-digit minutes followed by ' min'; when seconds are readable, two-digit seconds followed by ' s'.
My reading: 2 h 40 min
